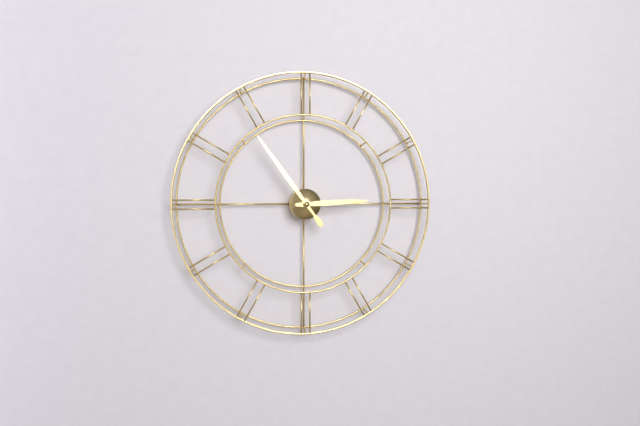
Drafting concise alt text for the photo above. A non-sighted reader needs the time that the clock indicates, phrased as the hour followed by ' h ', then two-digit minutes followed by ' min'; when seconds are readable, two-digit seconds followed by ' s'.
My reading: 2 h 54 min
